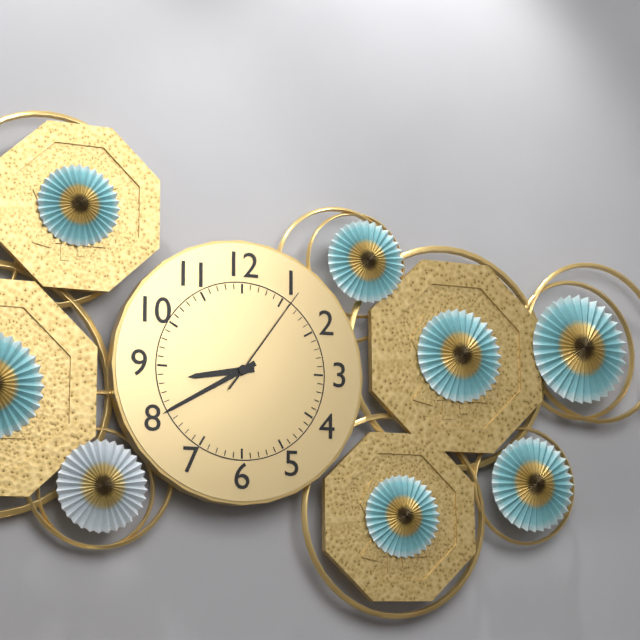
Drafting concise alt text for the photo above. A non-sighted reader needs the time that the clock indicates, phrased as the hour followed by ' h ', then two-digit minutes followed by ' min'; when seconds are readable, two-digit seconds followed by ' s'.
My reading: 8 h 40 min 06 s
